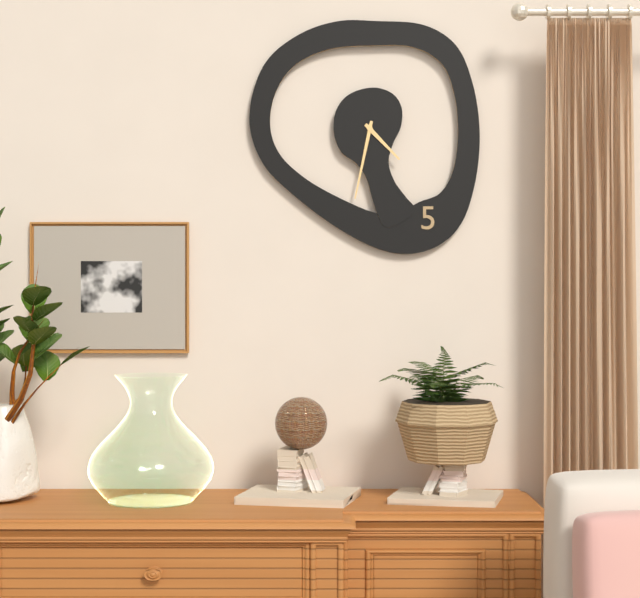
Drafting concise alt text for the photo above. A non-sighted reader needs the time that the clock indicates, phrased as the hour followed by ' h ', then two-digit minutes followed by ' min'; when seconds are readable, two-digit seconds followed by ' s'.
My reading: 4 h 32 min
